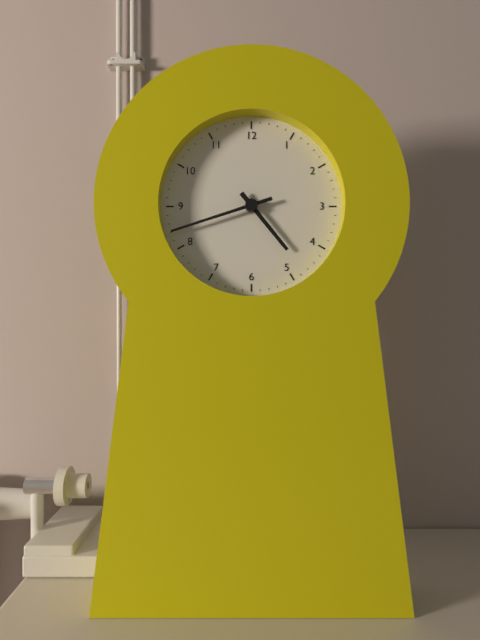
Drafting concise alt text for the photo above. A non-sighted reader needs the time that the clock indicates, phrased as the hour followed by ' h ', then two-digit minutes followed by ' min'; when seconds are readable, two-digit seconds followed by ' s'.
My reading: 4 h 42 min
